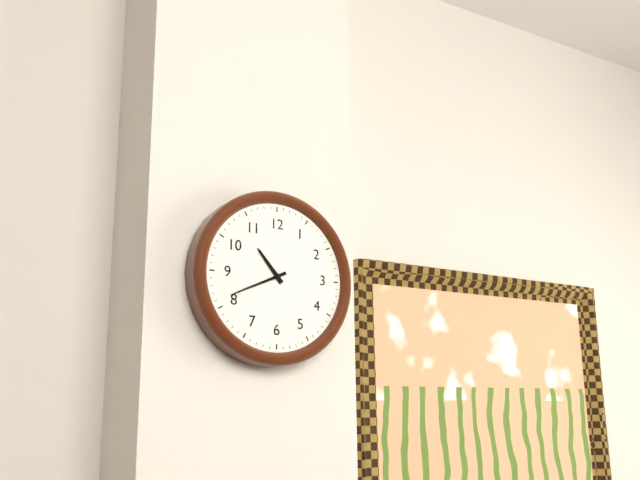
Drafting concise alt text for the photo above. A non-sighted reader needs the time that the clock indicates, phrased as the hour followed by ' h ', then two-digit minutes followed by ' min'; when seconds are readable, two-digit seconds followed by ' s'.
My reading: 10 h 41 min
